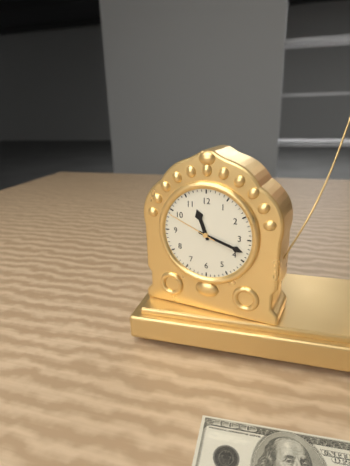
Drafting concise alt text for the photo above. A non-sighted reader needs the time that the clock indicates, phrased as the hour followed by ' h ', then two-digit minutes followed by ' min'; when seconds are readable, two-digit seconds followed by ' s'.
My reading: 11 h 18 min 49 s
